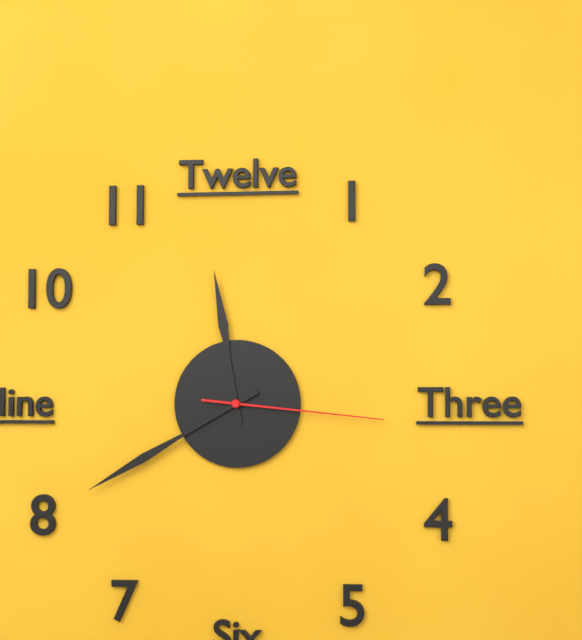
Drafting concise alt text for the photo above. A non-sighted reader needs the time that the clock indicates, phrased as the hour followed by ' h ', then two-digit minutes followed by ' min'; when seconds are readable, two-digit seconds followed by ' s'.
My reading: 11 h 40 min 16 s
